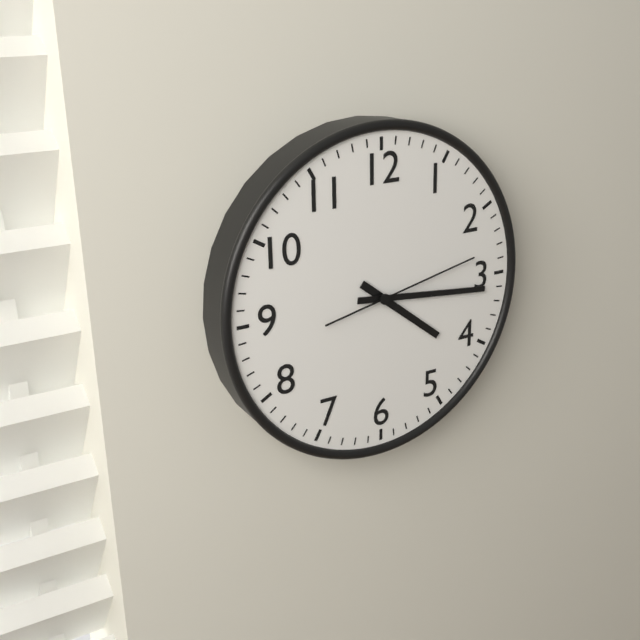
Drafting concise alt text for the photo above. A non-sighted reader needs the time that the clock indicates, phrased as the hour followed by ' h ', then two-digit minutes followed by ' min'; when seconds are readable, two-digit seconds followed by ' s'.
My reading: 4 h 16 min 13 s
